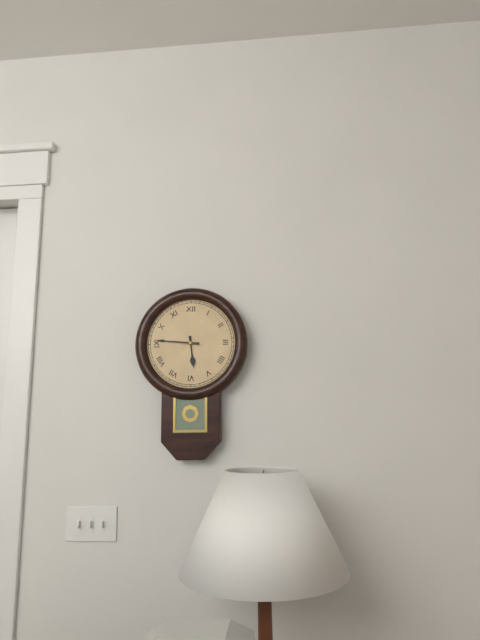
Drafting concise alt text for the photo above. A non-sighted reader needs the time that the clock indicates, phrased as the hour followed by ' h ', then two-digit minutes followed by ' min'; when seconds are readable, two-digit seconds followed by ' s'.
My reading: 5 h 46 min
